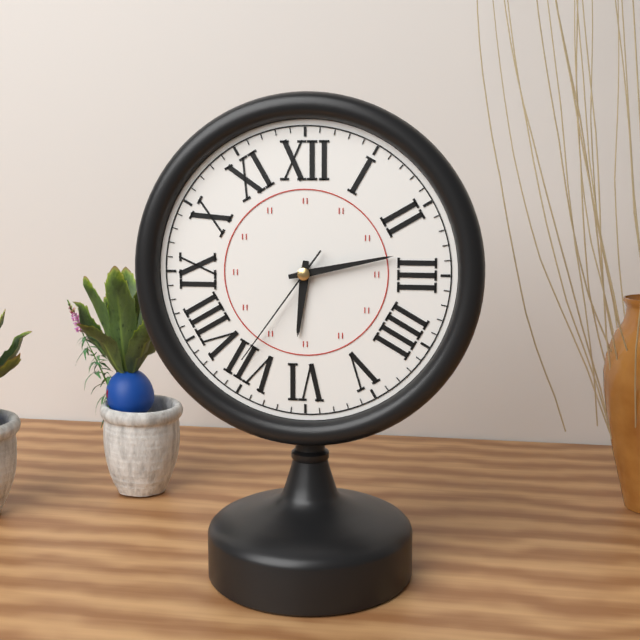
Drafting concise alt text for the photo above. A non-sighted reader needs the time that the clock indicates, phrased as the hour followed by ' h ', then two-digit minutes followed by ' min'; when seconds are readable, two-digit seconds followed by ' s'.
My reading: 6 h 13 min 36 s
